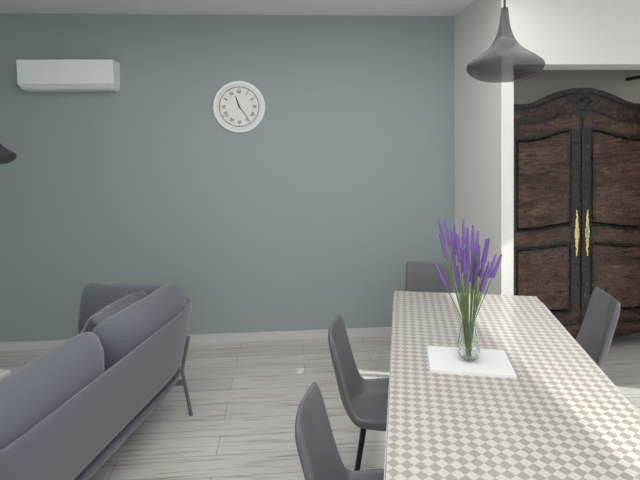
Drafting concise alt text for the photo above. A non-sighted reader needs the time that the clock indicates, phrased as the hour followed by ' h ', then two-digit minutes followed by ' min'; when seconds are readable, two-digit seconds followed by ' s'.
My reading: 11 h 24 min
